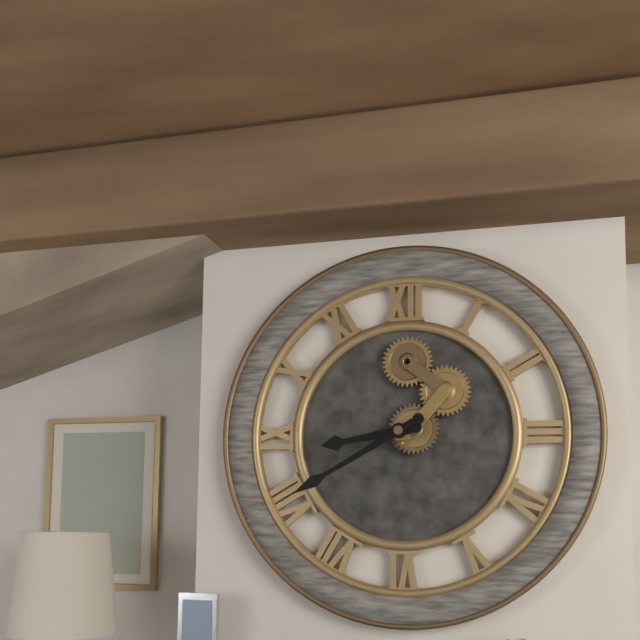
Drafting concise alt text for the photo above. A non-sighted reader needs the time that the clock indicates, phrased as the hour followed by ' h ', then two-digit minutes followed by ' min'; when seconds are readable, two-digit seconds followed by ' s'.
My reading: 8 h 40 min
